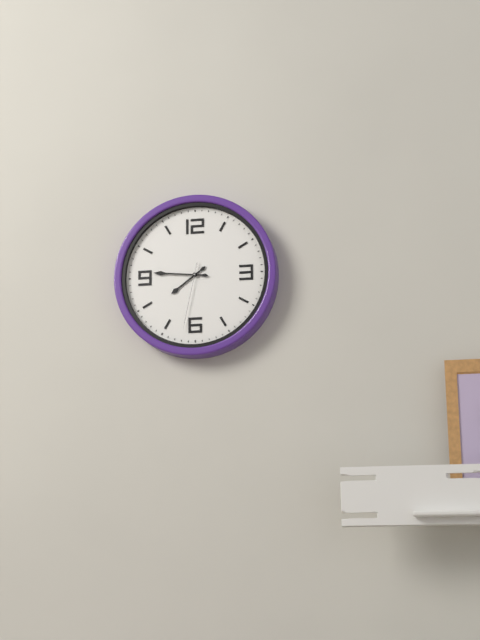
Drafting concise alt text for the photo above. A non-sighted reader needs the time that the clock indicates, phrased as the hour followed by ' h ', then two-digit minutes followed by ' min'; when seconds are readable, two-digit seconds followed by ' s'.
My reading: 7 h 46 min 32 s
